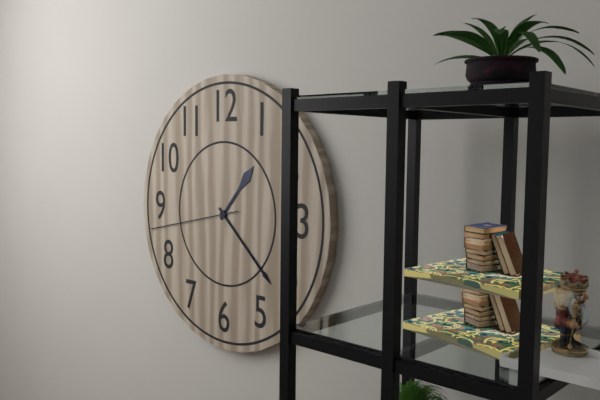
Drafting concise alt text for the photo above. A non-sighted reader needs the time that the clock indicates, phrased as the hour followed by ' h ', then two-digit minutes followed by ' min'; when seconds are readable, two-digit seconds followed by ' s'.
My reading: 1 h 22 min 43 s
